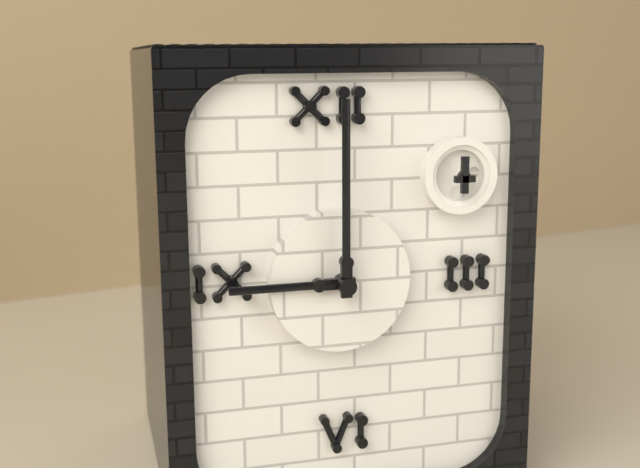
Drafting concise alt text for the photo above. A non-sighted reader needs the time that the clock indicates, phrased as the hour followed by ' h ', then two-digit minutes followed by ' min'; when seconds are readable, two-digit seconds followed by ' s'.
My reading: 9 h 00 min
